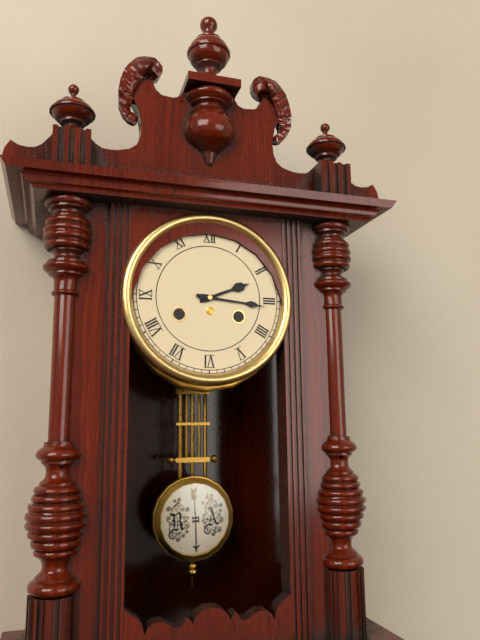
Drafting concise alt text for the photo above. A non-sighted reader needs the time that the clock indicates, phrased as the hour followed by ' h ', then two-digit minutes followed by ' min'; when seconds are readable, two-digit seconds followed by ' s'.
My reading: 2 h 16 min
